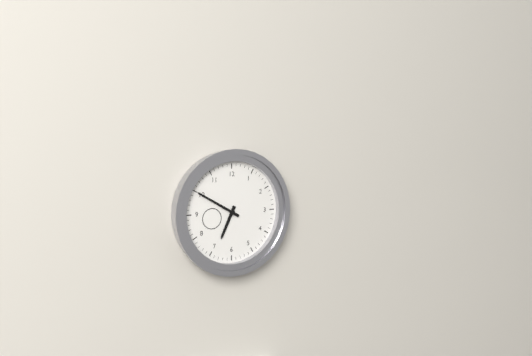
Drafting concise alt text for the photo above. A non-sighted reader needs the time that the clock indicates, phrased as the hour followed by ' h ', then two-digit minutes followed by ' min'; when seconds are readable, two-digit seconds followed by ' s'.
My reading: 6 h 50 min
